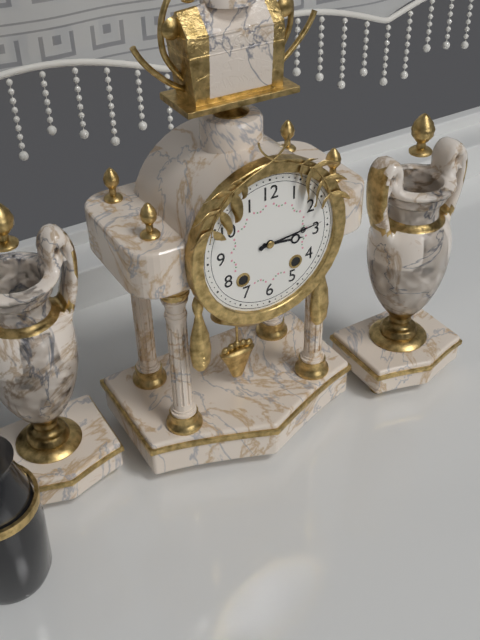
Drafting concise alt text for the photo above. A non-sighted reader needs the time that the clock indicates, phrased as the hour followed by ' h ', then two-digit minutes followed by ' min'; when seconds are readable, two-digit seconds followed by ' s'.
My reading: 3 h 14 min
